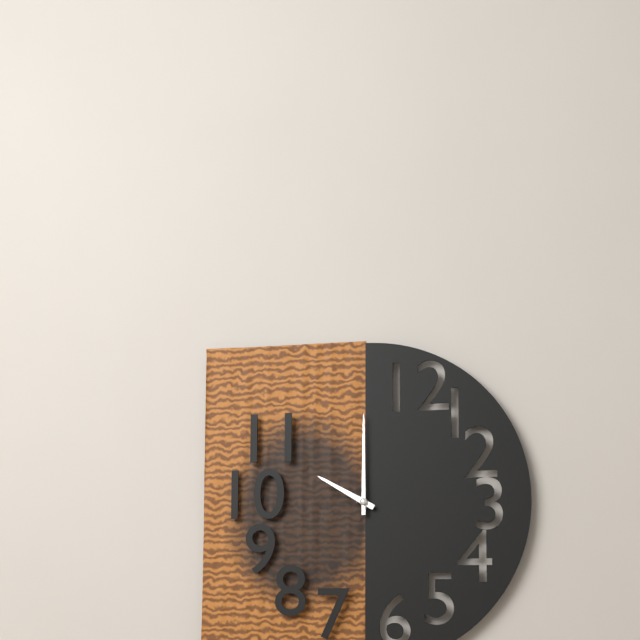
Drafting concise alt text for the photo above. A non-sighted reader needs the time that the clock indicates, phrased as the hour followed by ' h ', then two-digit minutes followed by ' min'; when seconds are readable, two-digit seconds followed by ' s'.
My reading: 10 h 00 min
